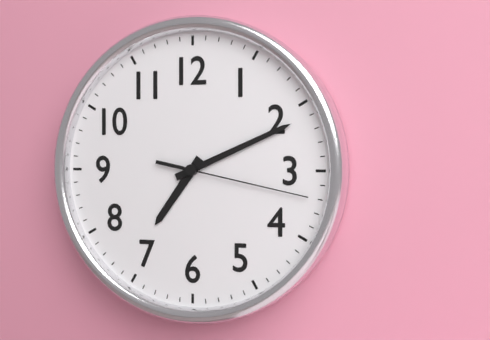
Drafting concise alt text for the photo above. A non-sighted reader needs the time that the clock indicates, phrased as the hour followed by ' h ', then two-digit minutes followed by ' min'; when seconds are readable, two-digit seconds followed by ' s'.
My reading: 7 h 11 min 17 s
